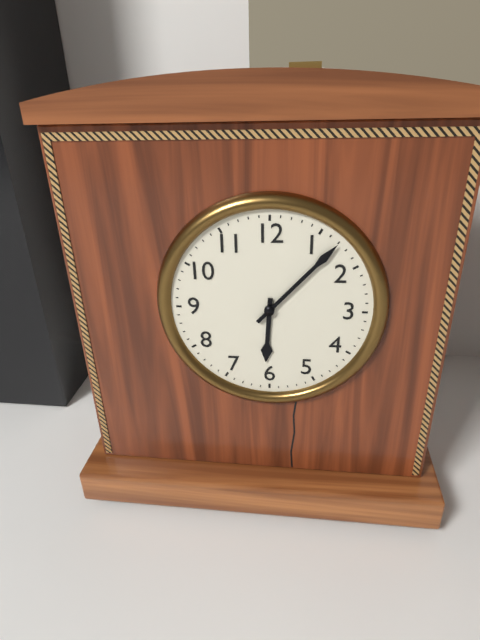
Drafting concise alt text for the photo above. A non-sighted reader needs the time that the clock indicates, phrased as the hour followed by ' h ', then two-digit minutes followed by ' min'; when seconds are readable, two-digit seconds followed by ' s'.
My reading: 6 h 07 min
